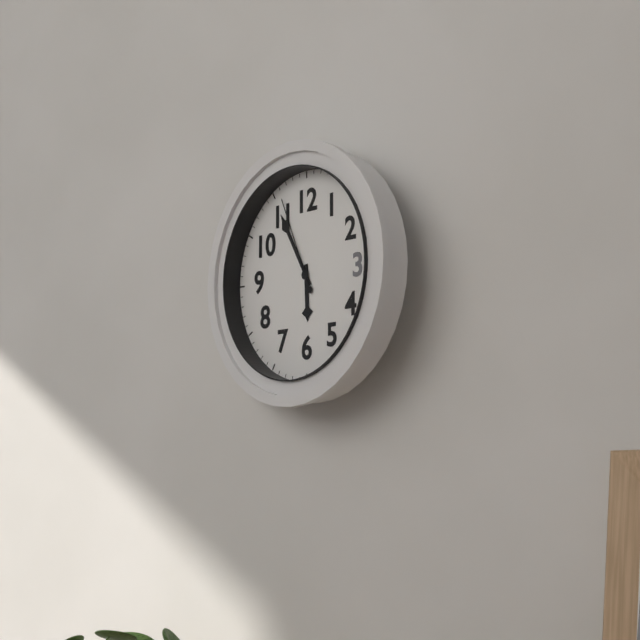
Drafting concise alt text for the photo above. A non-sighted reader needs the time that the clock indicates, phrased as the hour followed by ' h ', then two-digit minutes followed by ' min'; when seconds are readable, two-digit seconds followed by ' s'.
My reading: 5 h 55 min 56 s
